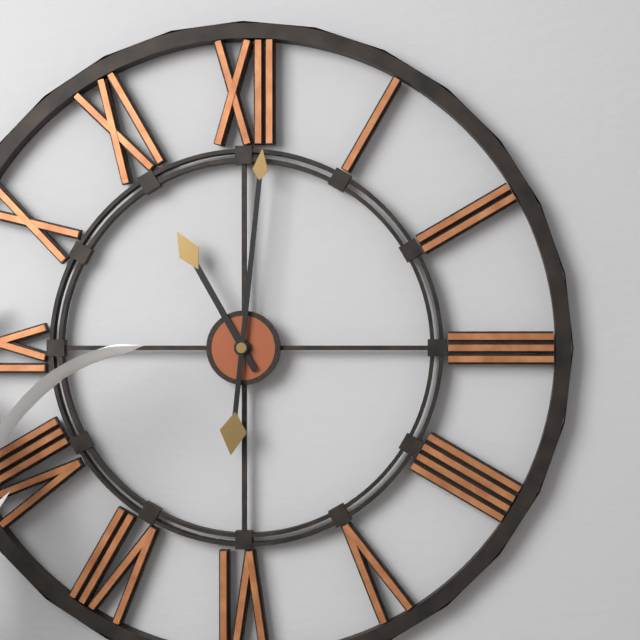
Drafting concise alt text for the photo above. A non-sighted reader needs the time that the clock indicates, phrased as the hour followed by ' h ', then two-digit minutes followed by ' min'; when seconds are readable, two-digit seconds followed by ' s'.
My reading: 11 h 01 min
